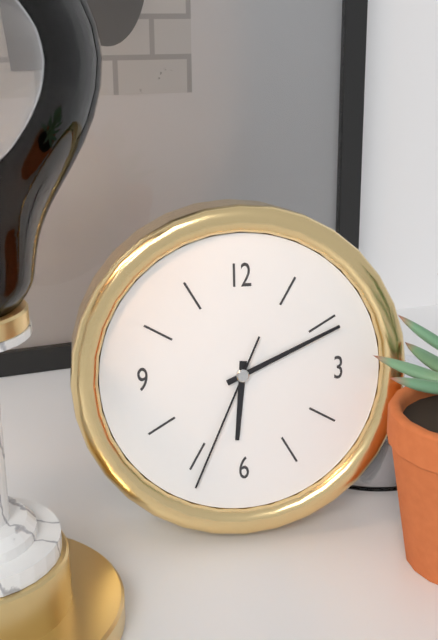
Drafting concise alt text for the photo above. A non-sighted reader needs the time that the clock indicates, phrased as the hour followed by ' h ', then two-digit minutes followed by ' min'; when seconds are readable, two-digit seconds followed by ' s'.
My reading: 6 h 11 min 34 s
